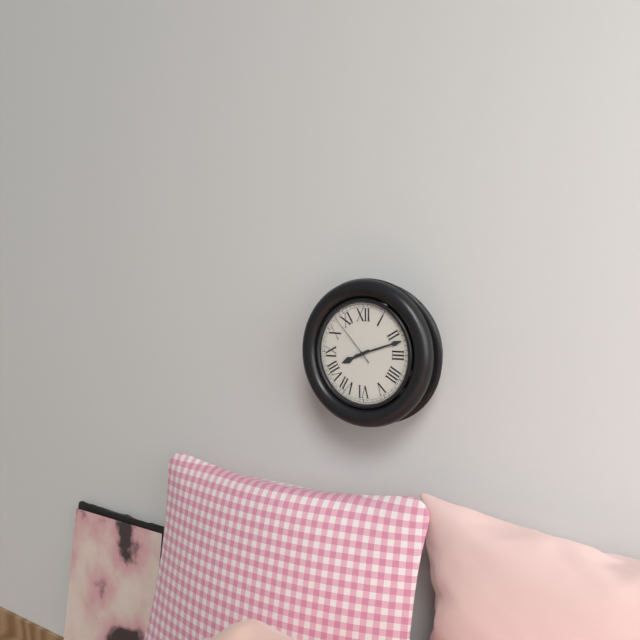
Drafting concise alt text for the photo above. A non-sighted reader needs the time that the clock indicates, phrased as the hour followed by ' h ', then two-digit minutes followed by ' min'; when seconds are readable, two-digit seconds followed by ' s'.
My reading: 8 h 12 min 53 s
